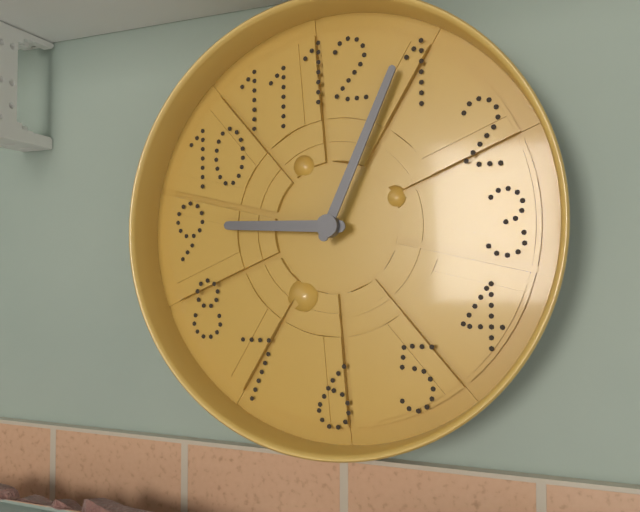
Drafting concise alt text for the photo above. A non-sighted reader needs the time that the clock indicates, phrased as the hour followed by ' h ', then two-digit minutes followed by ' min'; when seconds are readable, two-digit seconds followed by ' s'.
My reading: 9 h 04 min
